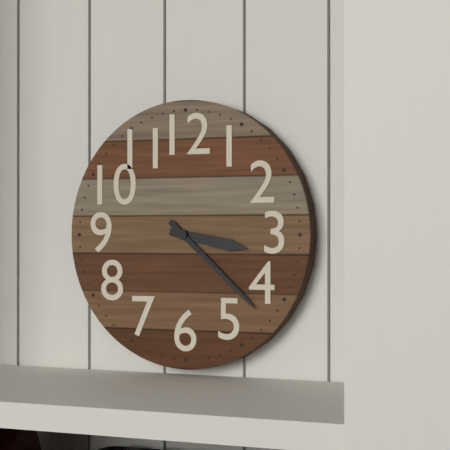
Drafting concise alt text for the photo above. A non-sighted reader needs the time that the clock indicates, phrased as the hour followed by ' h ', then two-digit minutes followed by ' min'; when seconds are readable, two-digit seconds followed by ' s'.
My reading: 3 h 22 min
